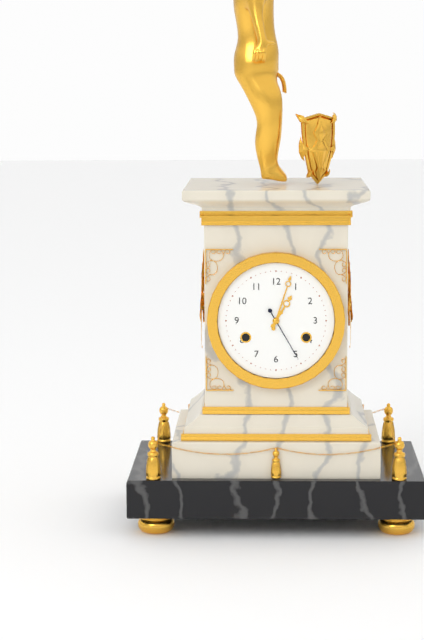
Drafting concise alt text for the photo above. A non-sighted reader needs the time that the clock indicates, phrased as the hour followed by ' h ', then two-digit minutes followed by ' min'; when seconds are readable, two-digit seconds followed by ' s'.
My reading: 1 h 03 min 25 s
